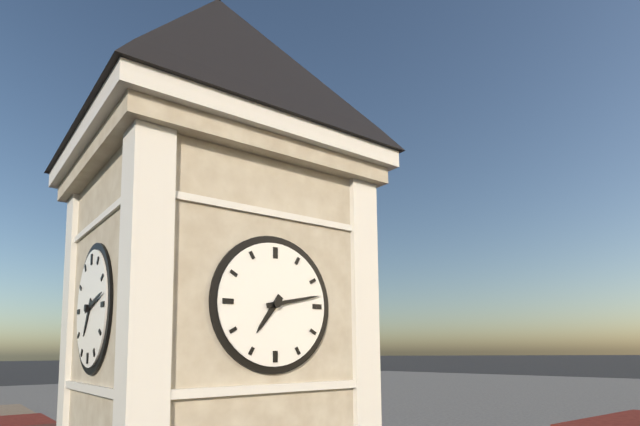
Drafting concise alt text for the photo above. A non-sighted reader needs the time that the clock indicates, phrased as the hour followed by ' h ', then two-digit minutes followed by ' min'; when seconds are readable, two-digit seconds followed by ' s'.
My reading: 7 h 13 min
